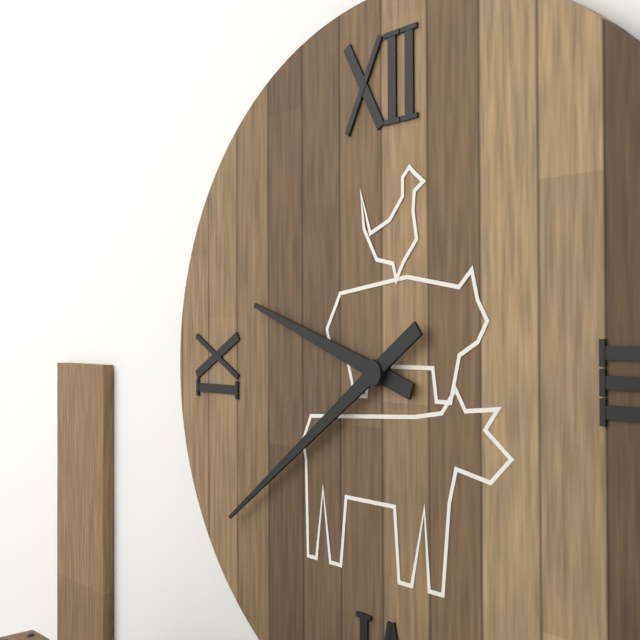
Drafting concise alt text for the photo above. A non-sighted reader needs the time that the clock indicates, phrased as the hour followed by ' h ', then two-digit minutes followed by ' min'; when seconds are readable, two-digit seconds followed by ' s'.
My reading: 9 h 39 min
